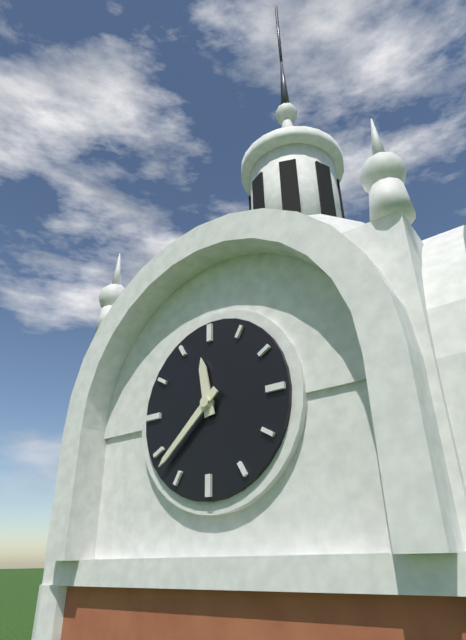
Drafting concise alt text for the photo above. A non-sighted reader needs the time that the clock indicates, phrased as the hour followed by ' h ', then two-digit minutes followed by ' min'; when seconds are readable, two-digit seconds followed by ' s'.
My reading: 11 h 38 min
